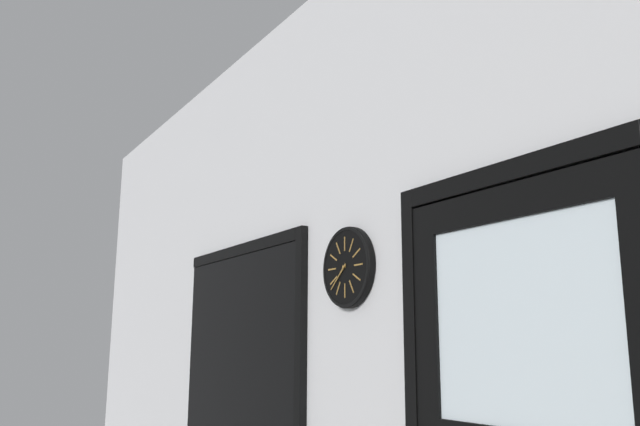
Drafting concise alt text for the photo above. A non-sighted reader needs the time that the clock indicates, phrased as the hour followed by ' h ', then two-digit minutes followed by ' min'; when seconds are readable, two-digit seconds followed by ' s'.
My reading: 7 h 38 min
